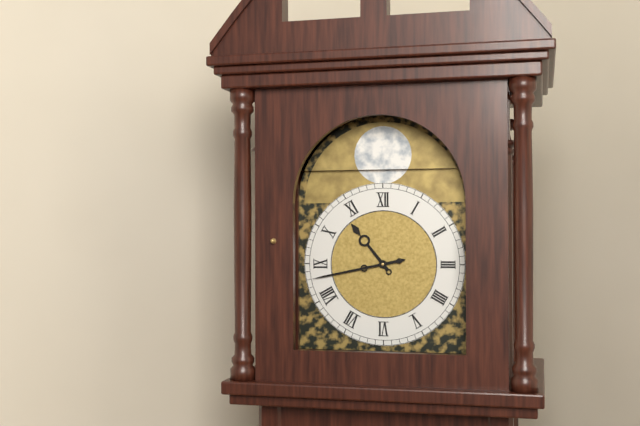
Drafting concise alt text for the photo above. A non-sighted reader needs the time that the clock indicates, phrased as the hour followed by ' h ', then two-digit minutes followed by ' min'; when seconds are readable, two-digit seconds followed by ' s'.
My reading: 10 h 43 min
